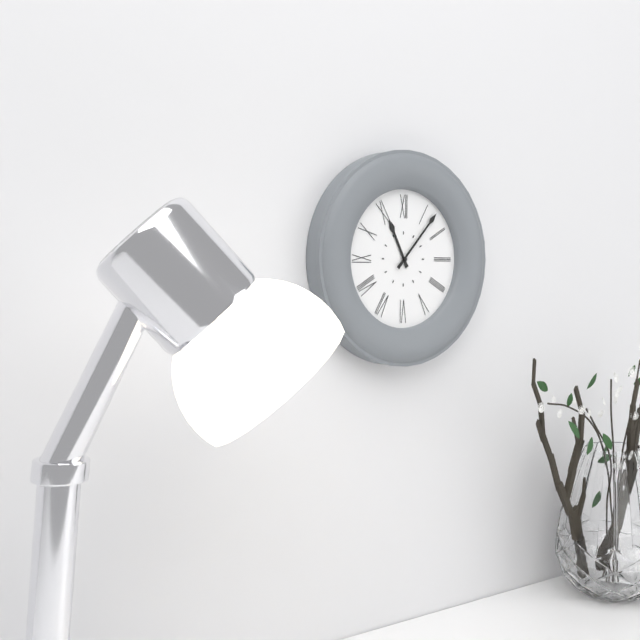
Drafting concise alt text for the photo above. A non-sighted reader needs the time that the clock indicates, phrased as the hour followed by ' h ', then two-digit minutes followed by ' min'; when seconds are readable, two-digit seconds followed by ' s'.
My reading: 11 h 07 min
